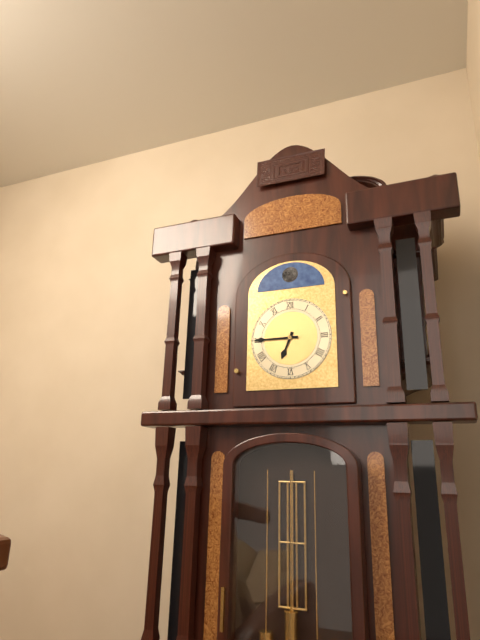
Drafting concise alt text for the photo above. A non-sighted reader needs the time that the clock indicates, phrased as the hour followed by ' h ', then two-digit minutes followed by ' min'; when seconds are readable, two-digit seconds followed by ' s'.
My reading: 6 h 45 min
